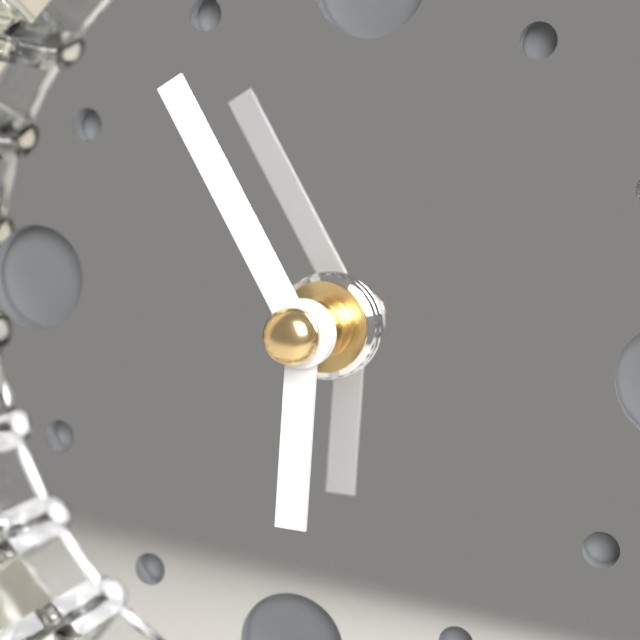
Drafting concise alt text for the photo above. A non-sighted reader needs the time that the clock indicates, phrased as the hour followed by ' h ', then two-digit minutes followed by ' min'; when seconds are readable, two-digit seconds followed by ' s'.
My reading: 5 h 54 min
